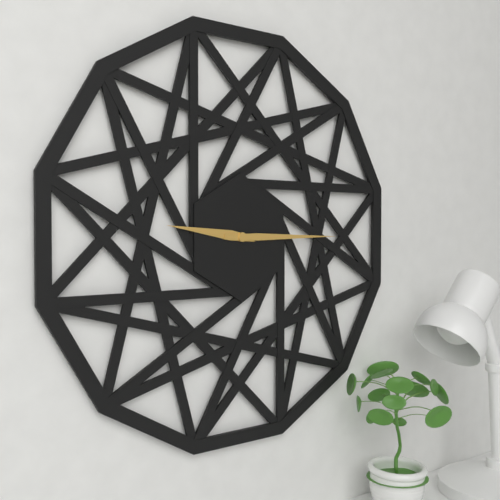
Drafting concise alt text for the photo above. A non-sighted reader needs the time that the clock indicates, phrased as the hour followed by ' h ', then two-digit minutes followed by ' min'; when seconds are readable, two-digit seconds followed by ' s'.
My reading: 9 h 15 min
